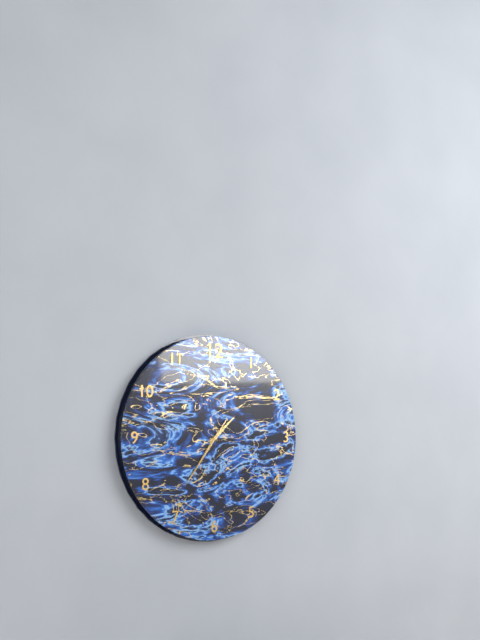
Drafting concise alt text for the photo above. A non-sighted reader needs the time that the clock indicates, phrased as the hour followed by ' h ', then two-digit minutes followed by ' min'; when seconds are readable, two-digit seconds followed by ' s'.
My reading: 1 h 36 min 36 s
